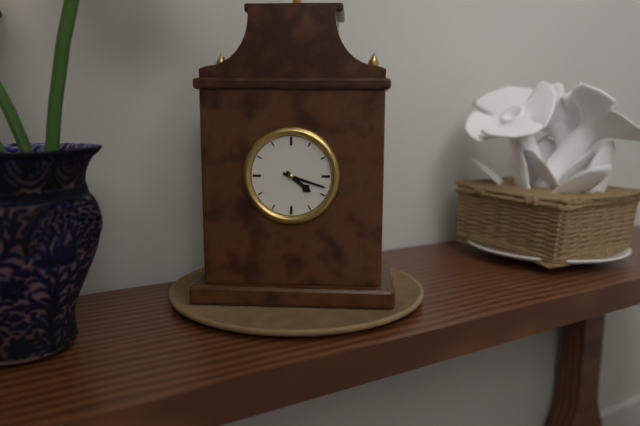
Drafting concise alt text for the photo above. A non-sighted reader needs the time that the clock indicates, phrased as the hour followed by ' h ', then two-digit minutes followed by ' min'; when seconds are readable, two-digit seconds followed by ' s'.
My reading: 4 h 18 min
